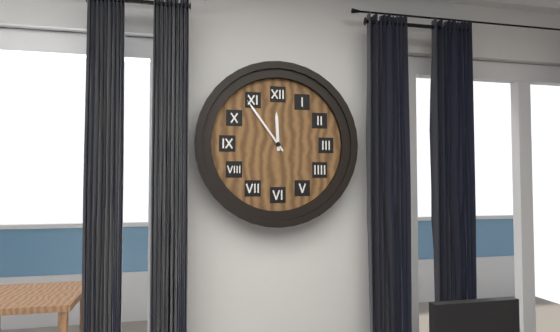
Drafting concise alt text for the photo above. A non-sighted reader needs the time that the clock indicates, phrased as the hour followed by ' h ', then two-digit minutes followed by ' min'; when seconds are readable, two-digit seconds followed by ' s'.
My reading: 11 h 54 min
